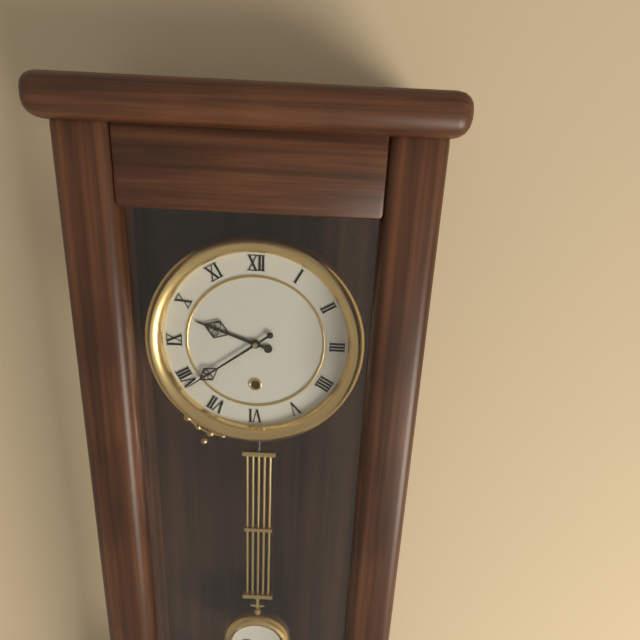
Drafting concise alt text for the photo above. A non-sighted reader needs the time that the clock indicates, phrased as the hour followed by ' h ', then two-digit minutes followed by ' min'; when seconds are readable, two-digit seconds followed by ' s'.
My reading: 9 h 39 min
